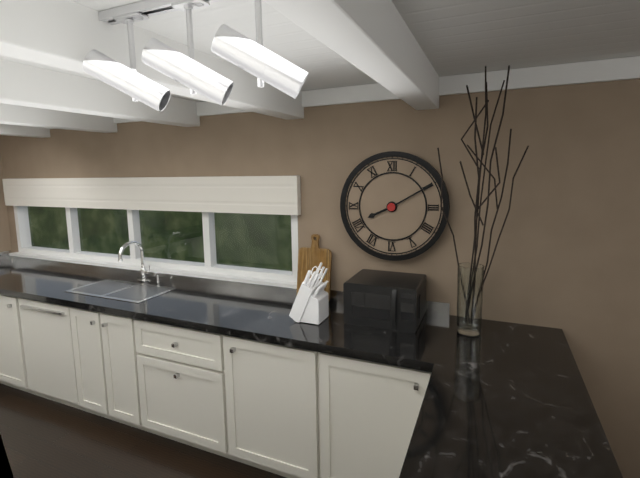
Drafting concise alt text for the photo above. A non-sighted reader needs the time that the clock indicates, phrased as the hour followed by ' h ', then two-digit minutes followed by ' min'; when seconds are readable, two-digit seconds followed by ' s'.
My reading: 8 h 10 min
